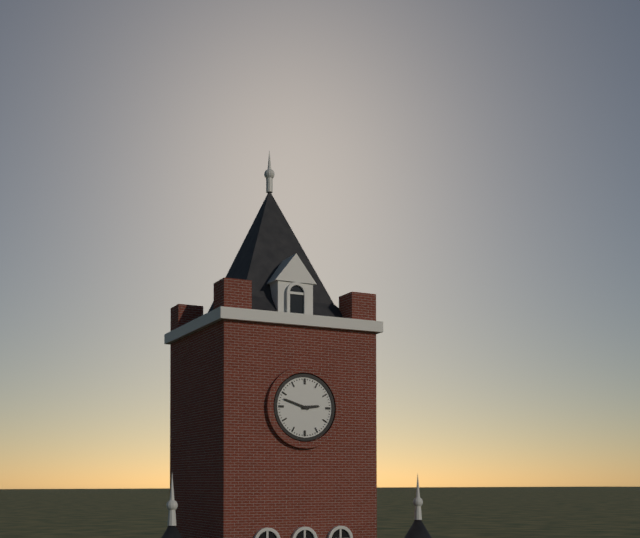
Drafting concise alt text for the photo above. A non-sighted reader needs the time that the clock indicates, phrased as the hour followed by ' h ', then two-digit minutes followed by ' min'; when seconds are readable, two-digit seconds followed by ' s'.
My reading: 2 h 48 min
